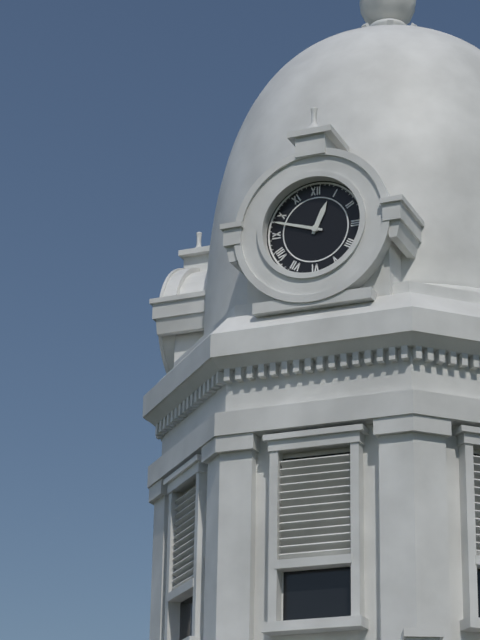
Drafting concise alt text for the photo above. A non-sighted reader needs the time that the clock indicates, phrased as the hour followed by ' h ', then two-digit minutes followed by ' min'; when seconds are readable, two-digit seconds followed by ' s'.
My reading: 12 h 48 min
